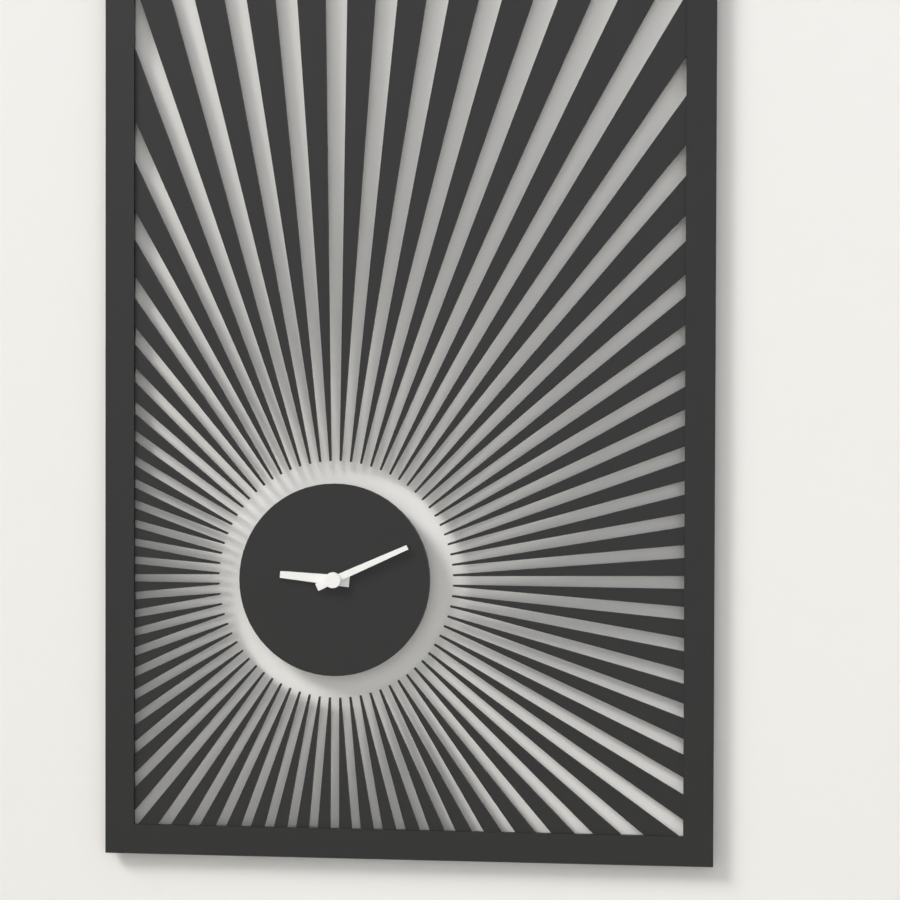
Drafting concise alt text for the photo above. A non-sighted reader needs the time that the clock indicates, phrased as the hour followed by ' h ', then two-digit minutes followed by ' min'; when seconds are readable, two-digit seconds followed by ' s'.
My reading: 9 h 11 min
